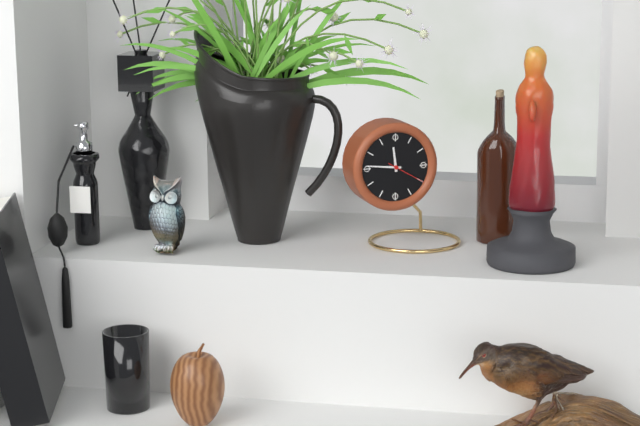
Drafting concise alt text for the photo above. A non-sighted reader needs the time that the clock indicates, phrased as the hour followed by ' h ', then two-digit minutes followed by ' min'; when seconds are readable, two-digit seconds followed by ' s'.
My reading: 11 h 46 min
